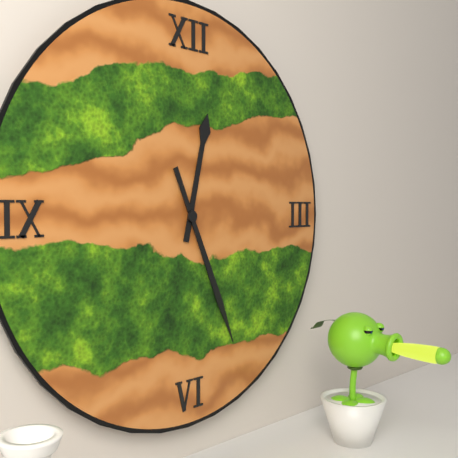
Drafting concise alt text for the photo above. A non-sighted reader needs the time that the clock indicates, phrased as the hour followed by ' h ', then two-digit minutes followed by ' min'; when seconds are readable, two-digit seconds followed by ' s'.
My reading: 12 h 26 min
